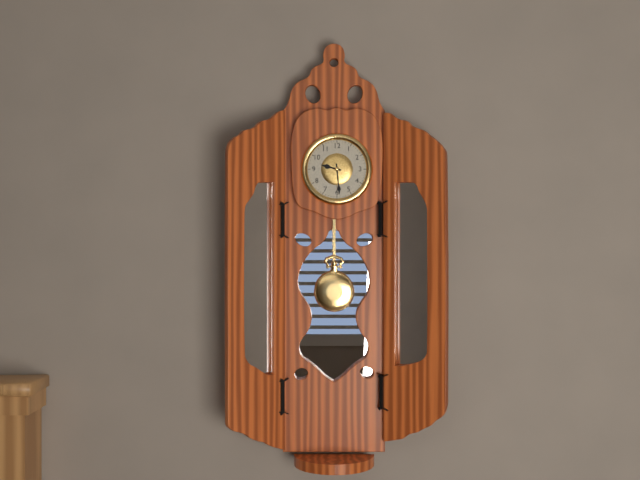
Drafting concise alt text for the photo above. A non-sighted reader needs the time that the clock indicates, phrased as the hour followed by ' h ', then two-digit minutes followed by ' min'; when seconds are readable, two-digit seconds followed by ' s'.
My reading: 9 h 29 min
